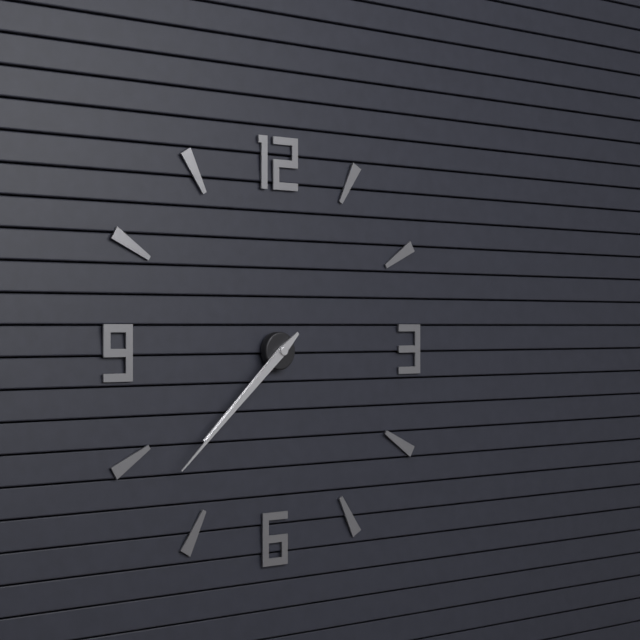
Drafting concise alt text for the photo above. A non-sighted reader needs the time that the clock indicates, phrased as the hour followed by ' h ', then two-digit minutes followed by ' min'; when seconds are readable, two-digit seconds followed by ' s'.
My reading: 7 h 38 min
